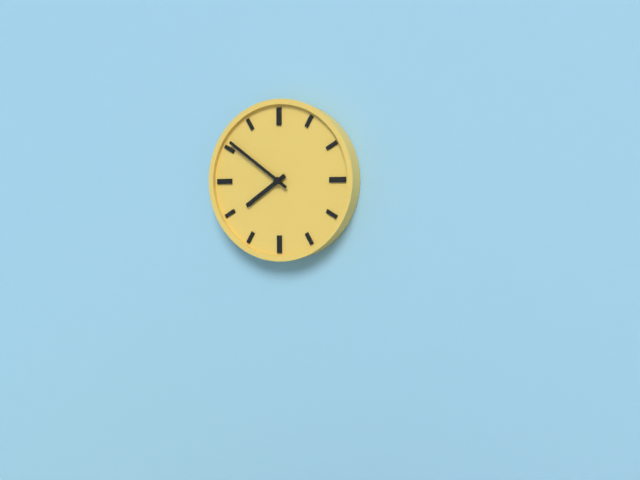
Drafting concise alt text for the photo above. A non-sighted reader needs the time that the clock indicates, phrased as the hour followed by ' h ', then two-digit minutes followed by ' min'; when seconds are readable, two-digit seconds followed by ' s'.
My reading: 7 h 51 min
